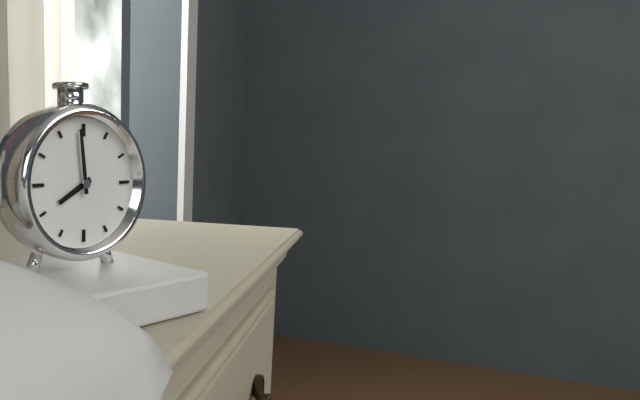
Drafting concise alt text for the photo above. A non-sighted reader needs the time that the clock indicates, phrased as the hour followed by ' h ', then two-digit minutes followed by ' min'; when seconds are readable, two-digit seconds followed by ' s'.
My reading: 7 h 59 min
